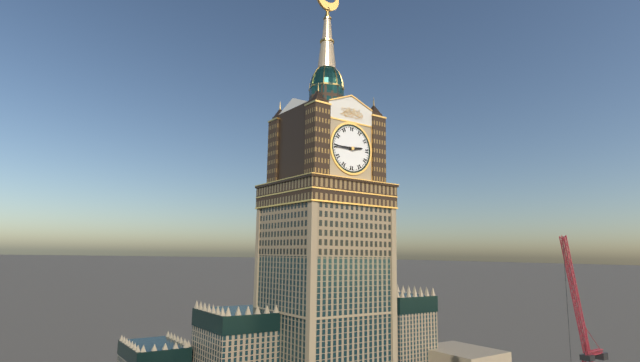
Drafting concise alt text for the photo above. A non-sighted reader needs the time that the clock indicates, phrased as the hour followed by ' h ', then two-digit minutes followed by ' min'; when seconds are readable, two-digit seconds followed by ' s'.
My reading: 2 h 45 min
